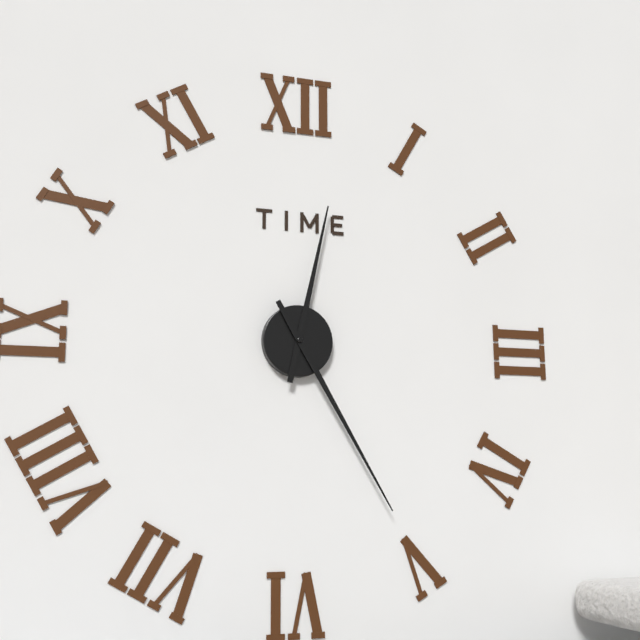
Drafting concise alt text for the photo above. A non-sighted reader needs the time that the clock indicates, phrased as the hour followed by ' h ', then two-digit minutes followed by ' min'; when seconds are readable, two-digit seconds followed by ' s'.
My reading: 12 h 25 min
